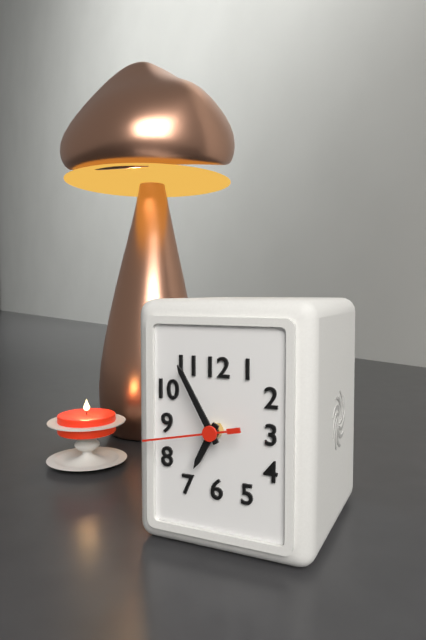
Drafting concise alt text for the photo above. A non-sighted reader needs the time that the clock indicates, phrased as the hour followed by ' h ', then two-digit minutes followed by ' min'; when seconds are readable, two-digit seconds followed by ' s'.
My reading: 6 h 55 min 43 s
